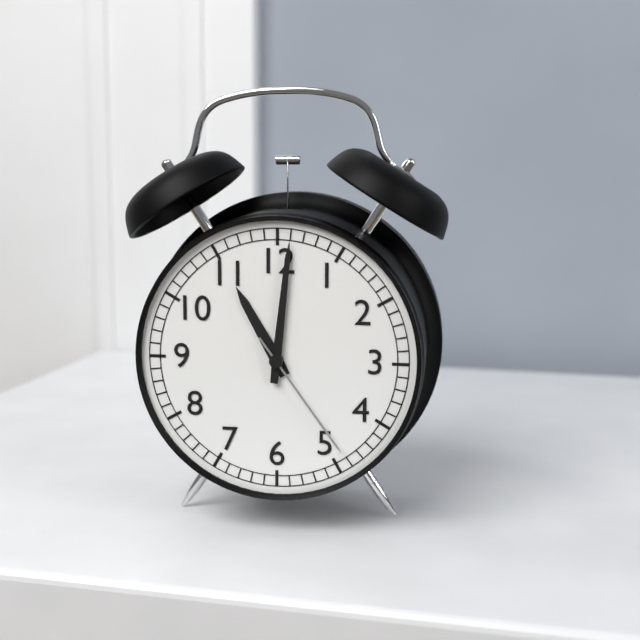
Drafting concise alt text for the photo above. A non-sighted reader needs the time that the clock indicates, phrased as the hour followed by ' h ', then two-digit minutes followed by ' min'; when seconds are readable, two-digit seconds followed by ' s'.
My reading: 11 h 01 min 24 s
